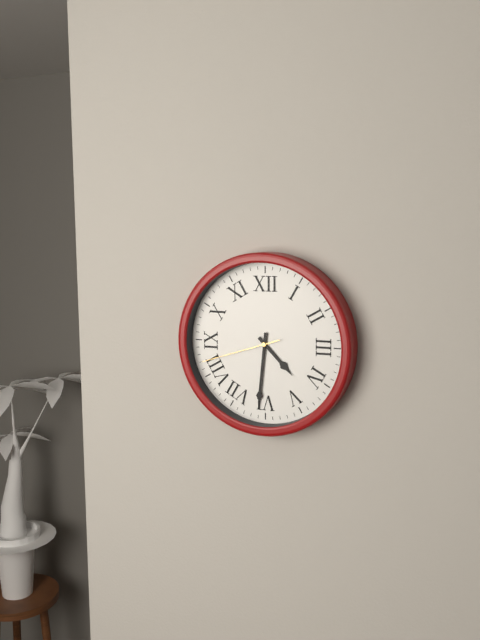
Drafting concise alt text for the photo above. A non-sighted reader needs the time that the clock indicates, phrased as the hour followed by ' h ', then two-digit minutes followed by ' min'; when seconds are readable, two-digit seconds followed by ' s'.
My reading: 4 h 31 min 42 s
